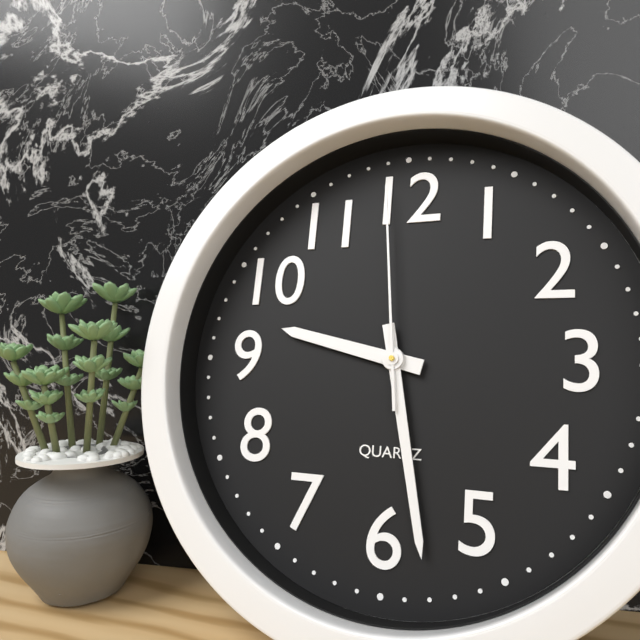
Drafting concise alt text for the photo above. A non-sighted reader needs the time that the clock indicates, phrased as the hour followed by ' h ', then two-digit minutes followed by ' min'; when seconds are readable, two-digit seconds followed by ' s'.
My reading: 9 h 28 min 59 s
